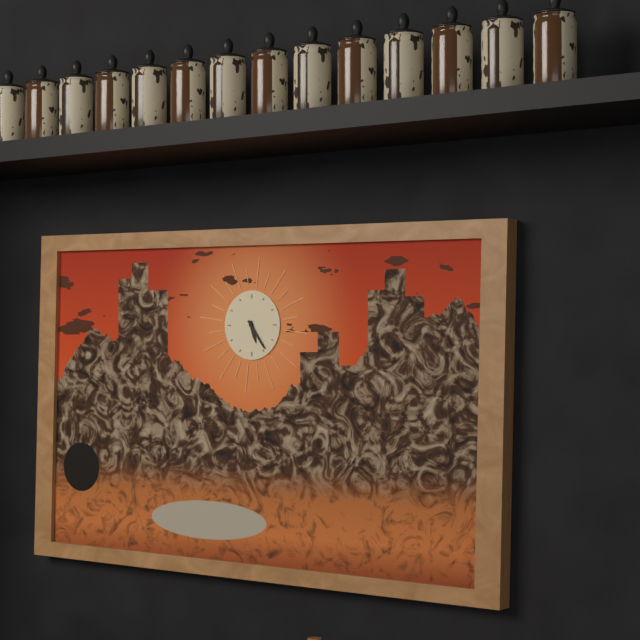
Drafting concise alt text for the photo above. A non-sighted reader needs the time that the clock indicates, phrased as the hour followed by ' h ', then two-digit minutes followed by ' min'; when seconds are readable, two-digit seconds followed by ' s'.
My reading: 5 h 24 min
